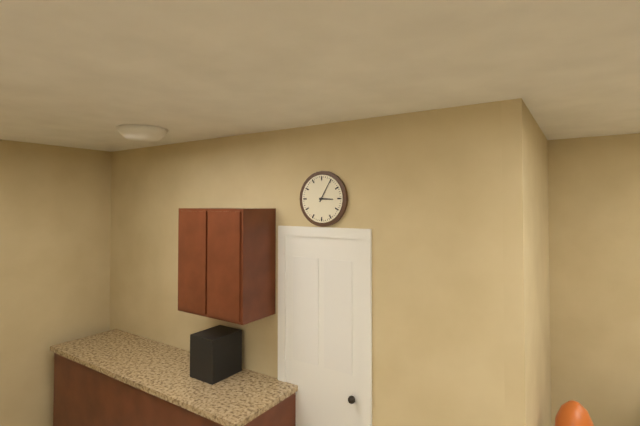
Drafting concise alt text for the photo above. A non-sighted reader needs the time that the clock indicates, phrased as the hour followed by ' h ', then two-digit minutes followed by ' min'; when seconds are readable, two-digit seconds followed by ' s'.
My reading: 3 h 05 min
